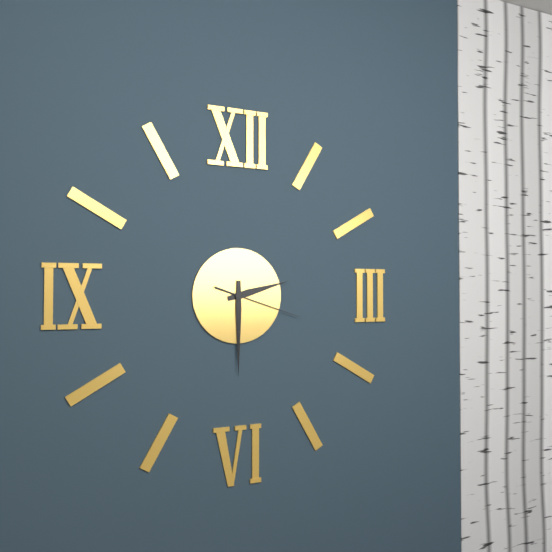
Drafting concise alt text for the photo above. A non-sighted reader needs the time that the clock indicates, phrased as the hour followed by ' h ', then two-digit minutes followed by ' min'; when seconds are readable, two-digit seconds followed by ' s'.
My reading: 2 h 30 min 18 s
